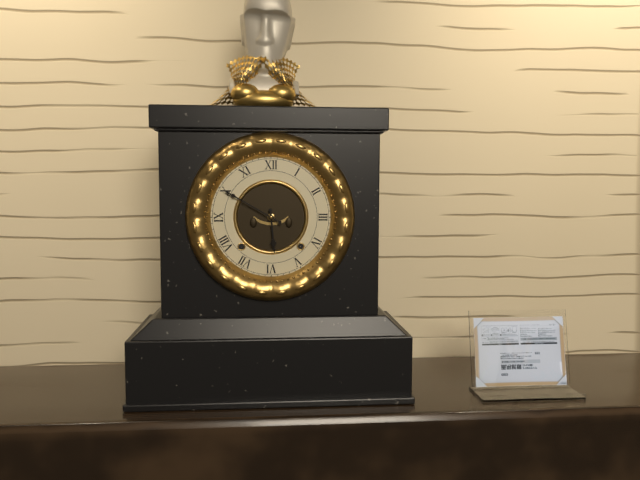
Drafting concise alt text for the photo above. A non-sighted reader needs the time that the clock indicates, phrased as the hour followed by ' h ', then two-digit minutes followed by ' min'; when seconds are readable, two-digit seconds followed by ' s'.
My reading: 5 h 50 min
